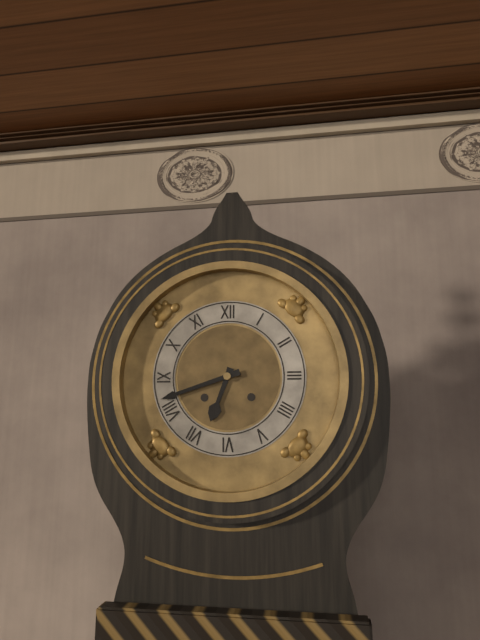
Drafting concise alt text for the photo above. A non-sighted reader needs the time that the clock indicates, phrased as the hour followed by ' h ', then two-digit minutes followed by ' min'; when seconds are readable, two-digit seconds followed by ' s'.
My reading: 6 h 42 min
